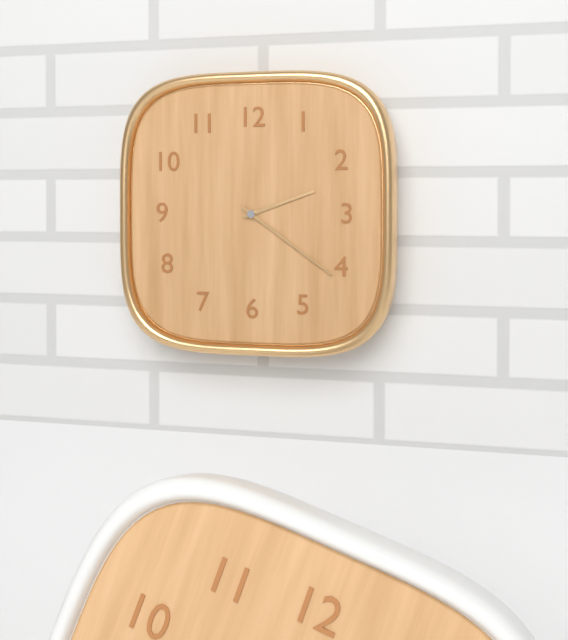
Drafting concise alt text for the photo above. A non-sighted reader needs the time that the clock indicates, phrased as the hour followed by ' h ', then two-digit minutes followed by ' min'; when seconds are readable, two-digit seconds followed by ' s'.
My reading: 2 h 21 min
